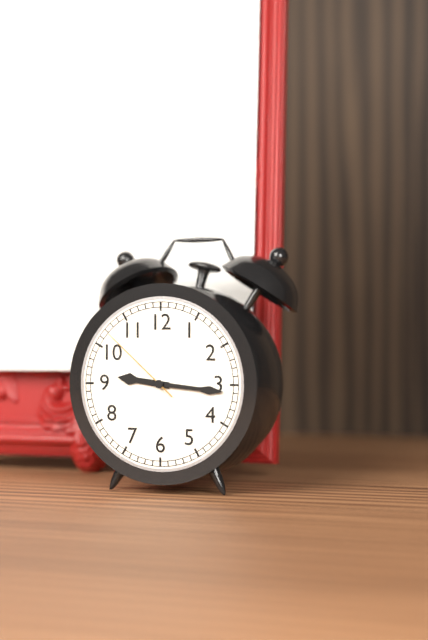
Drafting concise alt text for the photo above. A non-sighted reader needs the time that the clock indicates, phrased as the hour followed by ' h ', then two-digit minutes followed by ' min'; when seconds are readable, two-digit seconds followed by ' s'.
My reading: 9 h 16 min 52 s
